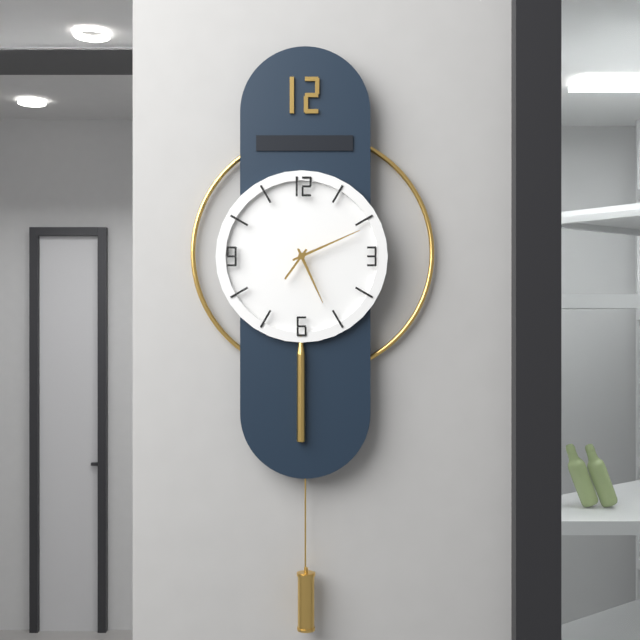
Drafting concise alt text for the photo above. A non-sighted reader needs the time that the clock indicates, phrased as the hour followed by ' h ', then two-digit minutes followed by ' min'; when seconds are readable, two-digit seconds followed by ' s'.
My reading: 5 h 11 min
